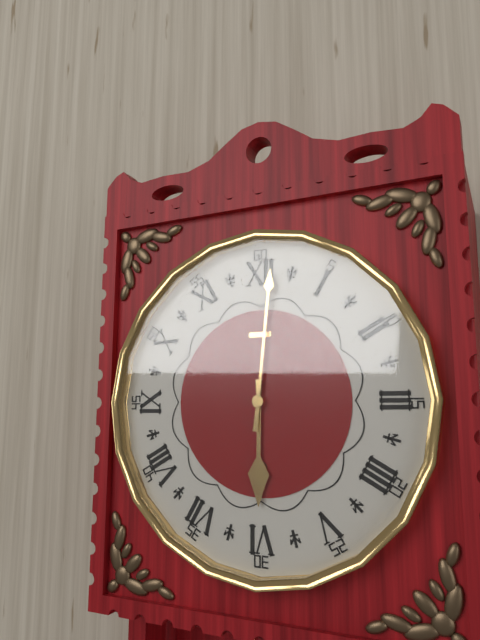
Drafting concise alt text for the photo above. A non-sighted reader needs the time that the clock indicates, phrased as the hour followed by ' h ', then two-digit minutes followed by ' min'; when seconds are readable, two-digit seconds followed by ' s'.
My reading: 6 h 01 min
